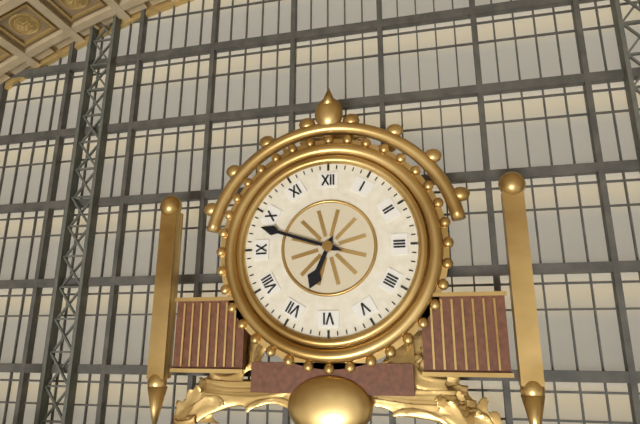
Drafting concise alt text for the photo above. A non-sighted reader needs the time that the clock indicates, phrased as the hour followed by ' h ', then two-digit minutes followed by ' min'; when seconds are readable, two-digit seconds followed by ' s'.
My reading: 6 h 48 min
